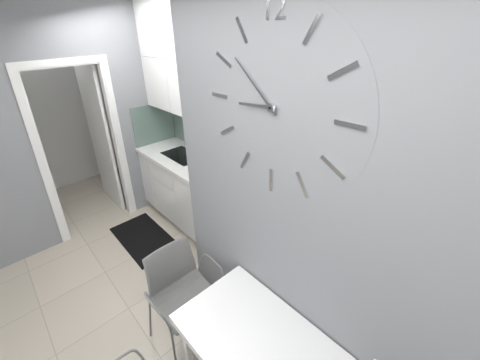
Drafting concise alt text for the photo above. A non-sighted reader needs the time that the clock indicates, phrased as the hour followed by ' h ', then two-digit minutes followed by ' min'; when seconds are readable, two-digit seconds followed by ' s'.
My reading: 8 h 52 min
